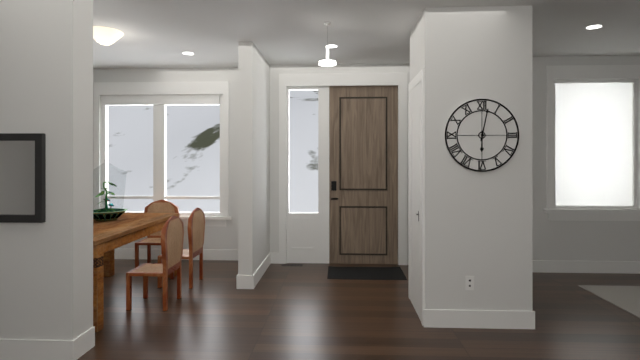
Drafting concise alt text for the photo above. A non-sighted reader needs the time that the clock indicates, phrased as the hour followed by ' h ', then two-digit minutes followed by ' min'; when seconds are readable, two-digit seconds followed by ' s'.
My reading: 6 h 02 min
